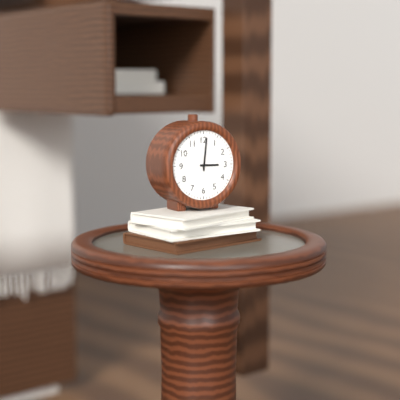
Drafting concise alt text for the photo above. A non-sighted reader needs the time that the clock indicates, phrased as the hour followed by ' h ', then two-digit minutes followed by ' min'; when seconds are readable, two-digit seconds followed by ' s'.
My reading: 3 h 01 min
